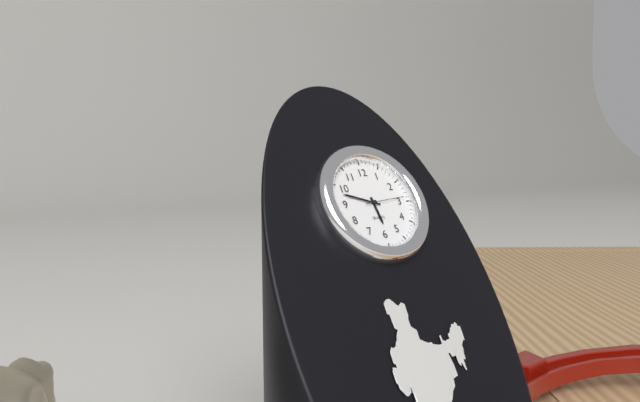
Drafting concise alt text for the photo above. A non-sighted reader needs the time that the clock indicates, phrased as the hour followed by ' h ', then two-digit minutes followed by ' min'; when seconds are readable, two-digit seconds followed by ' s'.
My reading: 5 h 48 min
